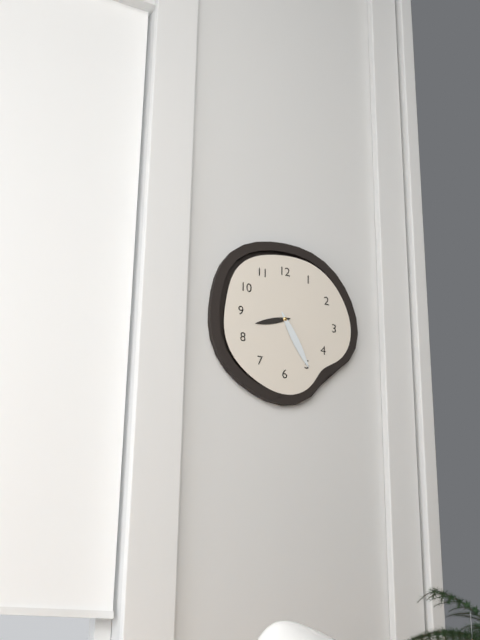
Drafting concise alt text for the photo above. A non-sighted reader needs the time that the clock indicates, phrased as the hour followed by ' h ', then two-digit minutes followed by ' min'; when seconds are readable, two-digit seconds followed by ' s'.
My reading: 8 h 25 min
